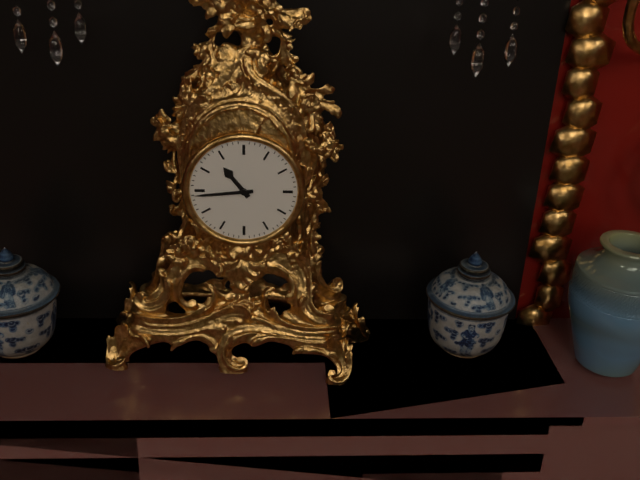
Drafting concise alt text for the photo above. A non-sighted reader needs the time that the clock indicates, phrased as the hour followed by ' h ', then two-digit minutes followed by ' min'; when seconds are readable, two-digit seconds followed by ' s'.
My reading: 10 h 44 min
